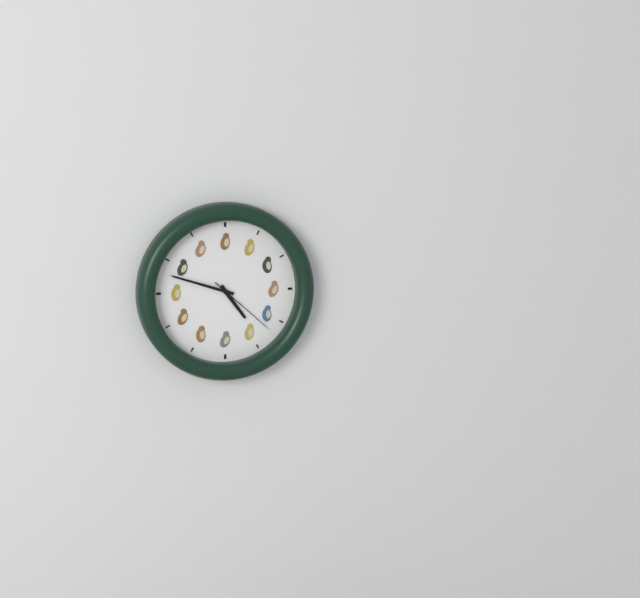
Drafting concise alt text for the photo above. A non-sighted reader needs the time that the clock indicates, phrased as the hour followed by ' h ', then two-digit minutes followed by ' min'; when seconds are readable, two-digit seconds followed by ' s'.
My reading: 4 h 48 min 22 s
